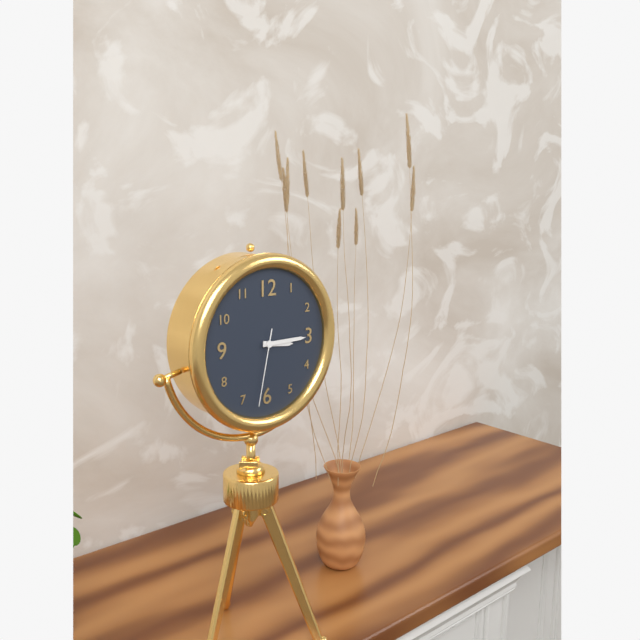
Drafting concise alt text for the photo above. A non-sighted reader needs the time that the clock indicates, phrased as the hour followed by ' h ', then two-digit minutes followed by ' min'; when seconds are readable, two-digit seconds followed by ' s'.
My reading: 3 h 15 min 32 s
